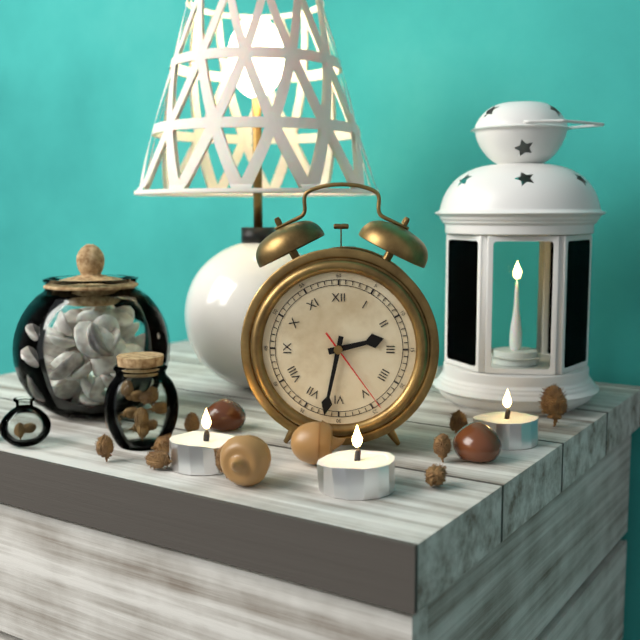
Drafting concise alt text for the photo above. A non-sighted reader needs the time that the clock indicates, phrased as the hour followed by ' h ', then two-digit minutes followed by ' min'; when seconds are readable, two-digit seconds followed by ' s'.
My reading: 2 h 32 min 24 s
